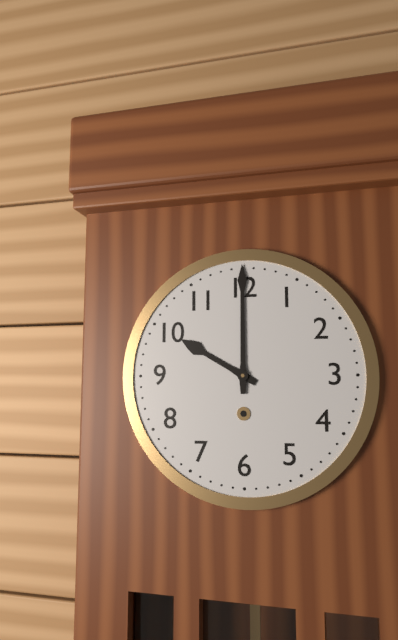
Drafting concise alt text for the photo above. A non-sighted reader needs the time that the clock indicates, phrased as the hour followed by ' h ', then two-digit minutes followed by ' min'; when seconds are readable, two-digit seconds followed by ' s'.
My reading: 10 h 00 min
